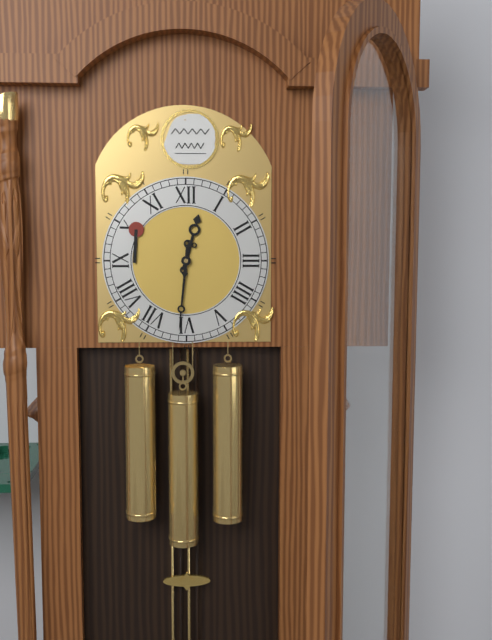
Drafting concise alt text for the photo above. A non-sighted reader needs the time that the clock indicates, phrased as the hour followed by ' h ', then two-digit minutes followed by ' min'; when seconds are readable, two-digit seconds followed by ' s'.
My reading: 12 h 31 min
